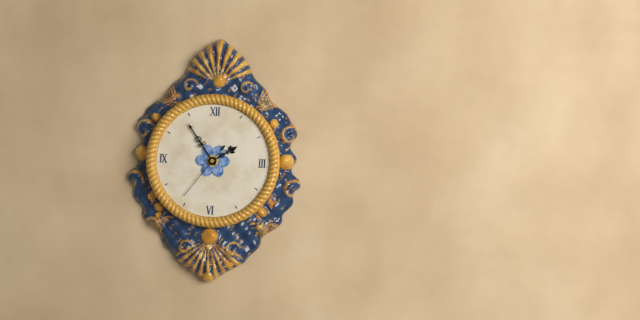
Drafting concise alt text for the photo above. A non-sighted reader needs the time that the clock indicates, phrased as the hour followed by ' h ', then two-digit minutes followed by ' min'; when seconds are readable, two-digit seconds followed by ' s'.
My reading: 1 h 54 min 36 s
